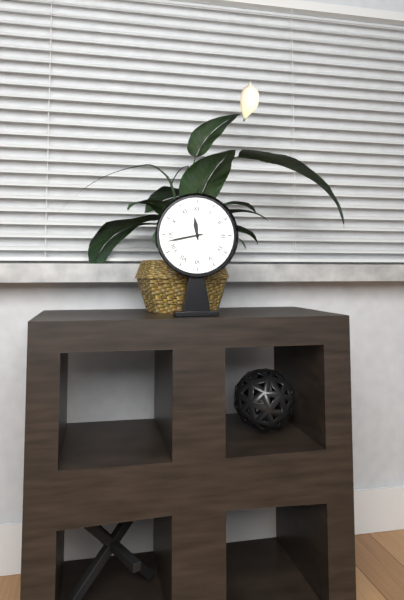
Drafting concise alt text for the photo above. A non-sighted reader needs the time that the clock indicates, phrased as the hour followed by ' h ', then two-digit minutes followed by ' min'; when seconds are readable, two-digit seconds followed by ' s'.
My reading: 11 h 43 min
